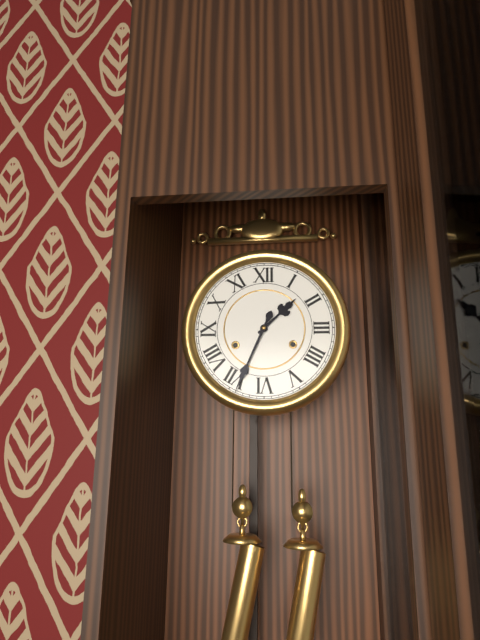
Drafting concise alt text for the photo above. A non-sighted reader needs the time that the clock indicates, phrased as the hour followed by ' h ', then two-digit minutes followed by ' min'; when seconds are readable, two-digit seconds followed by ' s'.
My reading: 1 h 34 min
